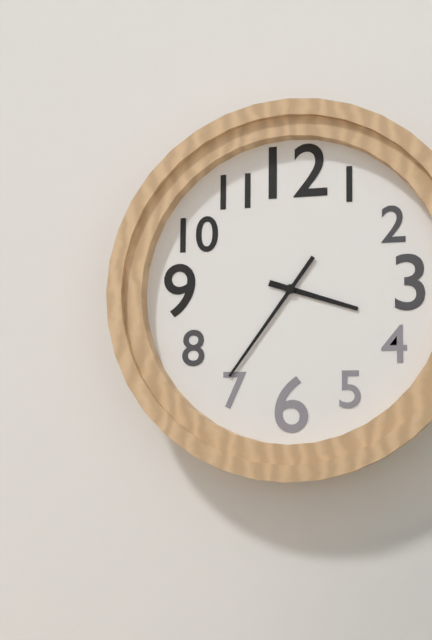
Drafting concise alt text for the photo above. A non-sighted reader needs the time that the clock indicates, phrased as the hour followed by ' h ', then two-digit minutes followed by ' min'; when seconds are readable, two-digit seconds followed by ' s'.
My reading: 3 h 36 min
